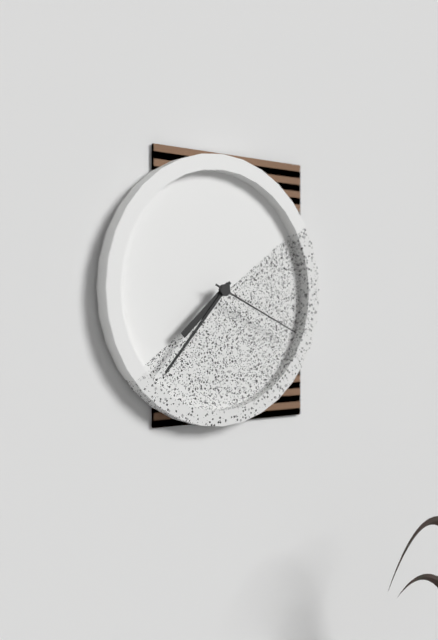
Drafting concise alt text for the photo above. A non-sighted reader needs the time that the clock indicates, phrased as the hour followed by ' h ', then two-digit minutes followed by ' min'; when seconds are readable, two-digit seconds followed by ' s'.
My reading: 7 h 37 min 19 s
